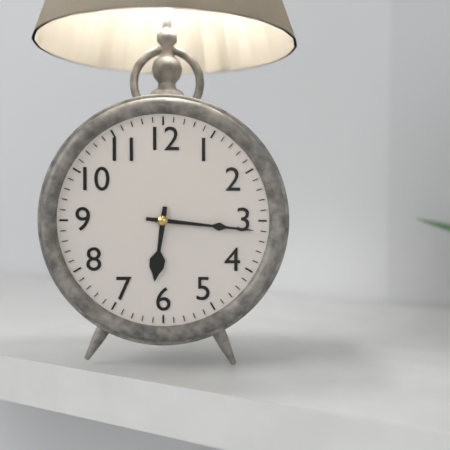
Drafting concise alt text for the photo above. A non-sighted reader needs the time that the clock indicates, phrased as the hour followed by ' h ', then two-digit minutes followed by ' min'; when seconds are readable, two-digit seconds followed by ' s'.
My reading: 6 h 16 min
